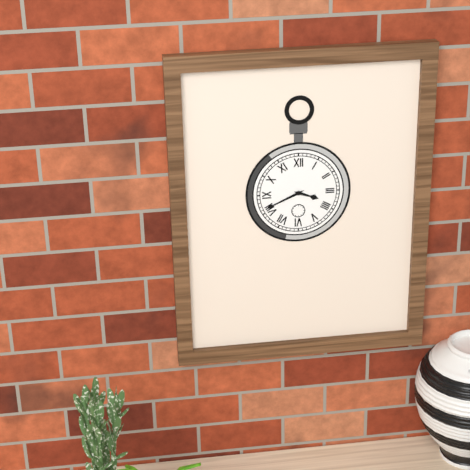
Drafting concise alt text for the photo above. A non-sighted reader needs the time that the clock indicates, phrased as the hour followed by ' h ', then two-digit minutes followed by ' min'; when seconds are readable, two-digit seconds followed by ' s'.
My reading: 3 h 41 min
